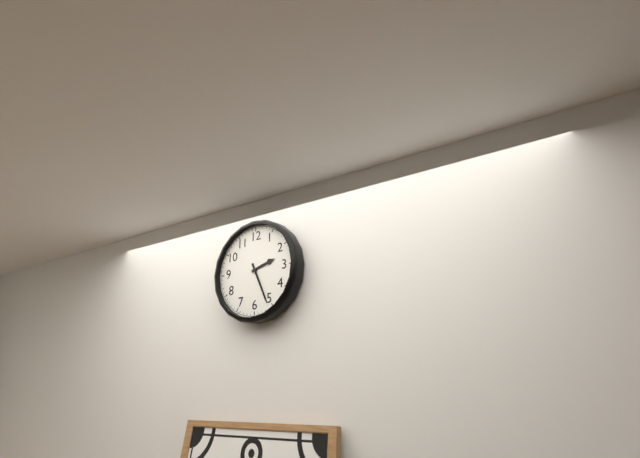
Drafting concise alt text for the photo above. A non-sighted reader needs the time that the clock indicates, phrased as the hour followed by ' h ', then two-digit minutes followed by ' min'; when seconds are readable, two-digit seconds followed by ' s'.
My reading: 2 h 26 min
